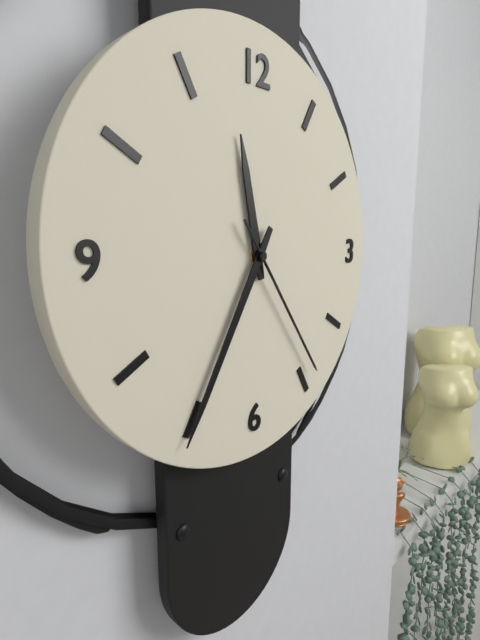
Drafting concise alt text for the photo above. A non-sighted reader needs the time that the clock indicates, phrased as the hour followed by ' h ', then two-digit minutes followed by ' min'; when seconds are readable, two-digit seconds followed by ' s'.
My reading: 11 h 35 min 24 s
